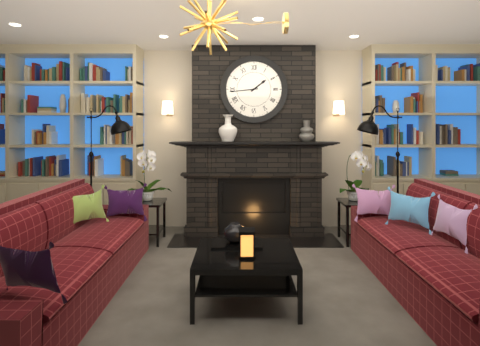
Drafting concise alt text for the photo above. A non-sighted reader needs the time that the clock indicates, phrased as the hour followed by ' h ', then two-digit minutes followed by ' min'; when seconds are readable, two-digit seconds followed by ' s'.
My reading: 1 h 44 min
